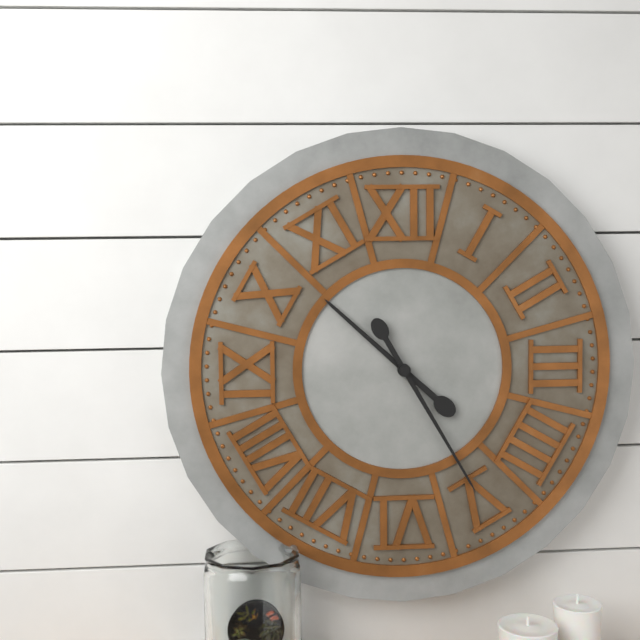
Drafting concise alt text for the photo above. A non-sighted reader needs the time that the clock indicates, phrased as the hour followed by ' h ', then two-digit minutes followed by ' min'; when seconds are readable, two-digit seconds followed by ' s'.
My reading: 10 h 25 min
